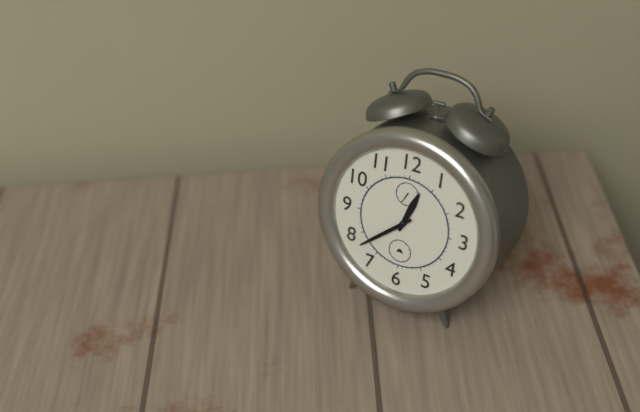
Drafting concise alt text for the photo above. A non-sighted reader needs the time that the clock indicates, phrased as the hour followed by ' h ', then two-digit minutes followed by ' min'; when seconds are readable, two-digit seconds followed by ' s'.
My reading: 12 h 38 min
